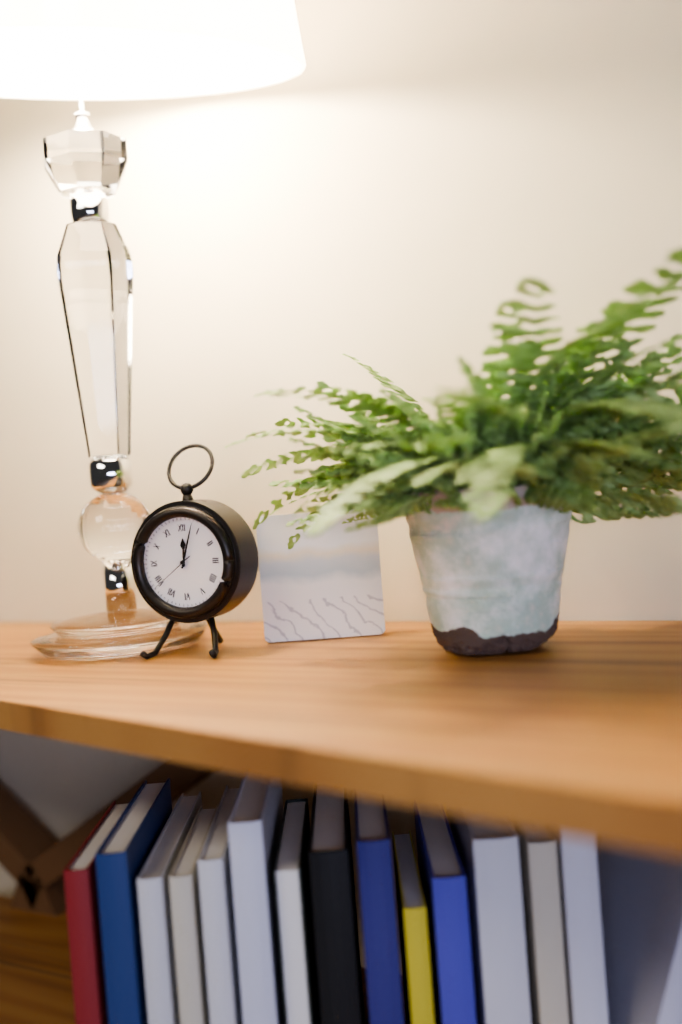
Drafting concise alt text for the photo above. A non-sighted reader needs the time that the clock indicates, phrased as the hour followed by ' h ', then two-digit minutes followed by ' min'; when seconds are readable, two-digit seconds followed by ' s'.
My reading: 12 h 03 min
